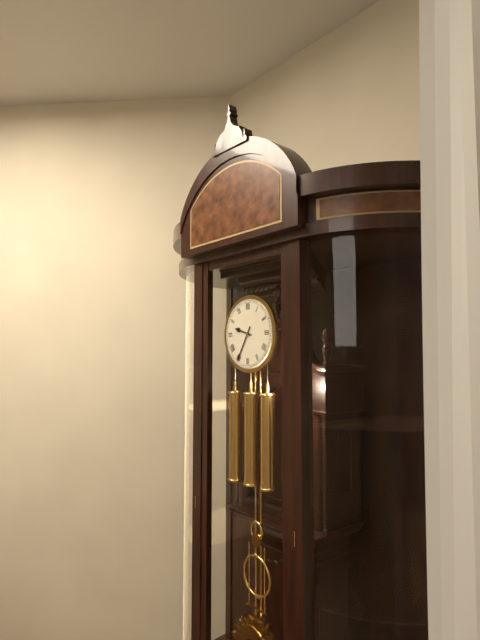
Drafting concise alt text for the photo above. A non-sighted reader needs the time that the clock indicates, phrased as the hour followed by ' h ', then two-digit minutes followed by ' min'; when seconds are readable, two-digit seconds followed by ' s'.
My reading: 9 h 35 min
